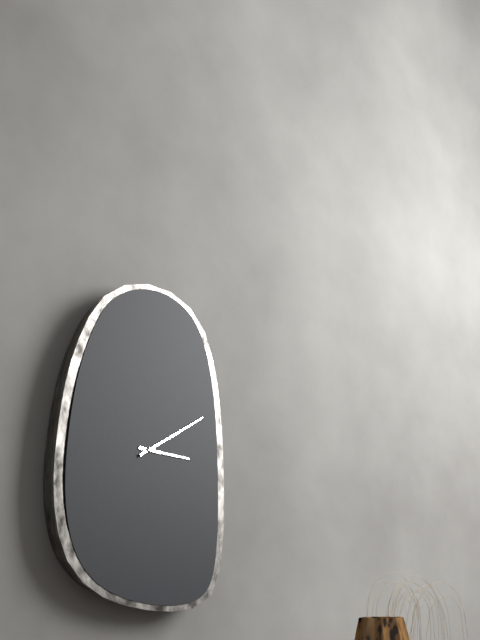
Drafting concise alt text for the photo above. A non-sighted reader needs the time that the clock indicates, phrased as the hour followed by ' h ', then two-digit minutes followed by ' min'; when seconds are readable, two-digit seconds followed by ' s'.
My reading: 3 h 10 min
